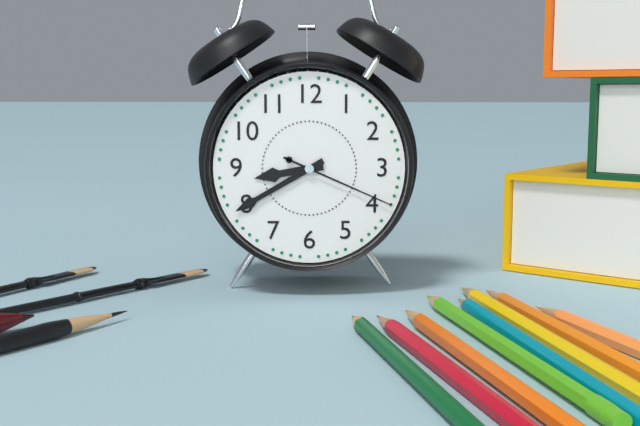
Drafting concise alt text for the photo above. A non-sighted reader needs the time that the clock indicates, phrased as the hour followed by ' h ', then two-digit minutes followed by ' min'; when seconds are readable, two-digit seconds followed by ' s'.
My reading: 8 h 40 min 19 s
